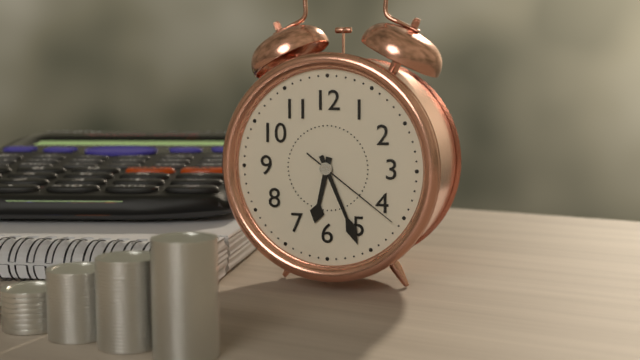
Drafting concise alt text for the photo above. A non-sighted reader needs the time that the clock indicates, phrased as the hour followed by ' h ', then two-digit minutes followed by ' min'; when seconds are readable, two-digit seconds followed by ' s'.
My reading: 6 h 26 min 21 s
